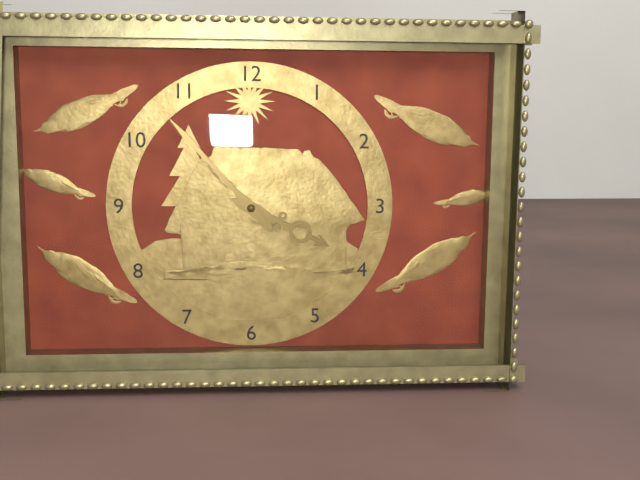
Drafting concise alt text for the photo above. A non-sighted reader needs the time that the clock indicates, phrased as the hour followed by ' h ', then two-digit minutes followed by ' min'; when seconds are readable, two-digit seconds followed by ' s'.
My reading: 3 h 53 min
